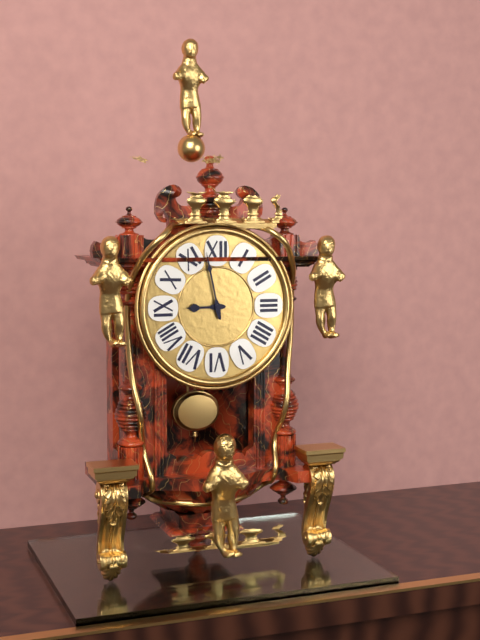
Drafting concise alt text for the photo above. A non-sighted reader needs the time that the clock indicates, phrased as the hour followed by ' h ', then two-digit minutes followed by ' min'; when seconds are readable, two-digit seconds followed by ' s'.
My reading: 8 h 58 min
